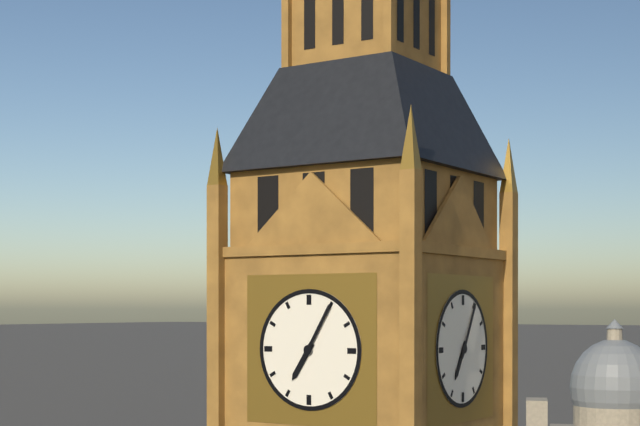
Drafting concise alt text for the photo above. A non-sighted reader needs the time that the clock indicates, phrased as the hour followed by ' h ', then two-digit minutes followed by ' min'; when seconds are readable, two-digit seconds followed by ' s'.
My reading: 7 h 05 min
